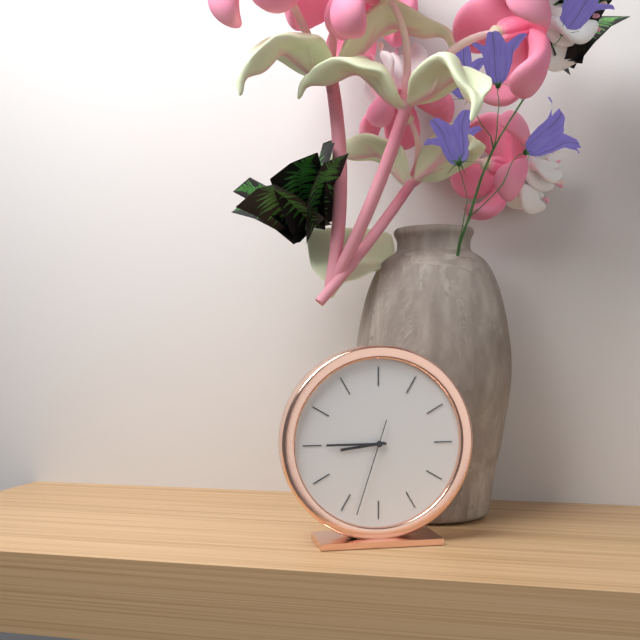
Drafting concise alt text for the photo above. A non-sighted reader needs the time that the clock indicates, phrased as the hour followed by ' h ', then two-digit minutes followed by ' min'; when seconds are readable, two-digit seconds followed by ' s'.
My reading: 8 h 45 min 33 s
